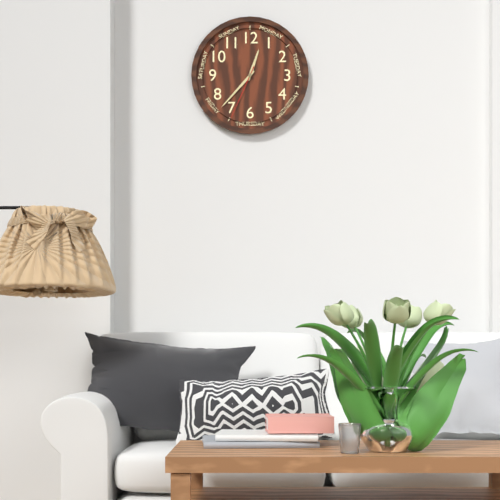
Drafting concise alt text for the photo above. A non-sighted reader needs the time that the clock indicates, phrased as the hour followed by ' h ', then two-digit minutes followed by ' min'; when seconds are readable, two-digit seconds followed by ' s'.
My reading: 12 h 37 min 34 s
